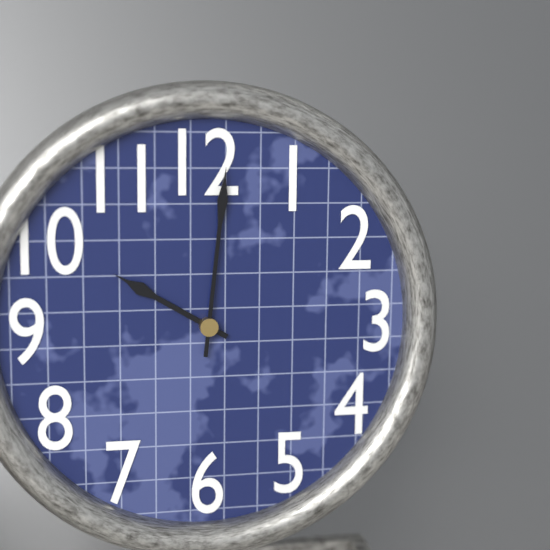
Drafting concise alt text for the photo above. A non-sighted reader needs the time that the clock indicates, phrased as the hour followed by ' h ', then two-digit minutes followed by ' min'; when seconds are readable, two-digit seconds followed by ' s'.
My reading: 10 h 01 min
